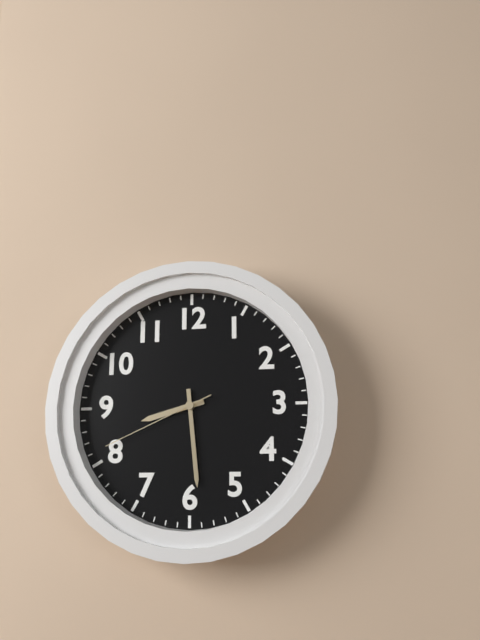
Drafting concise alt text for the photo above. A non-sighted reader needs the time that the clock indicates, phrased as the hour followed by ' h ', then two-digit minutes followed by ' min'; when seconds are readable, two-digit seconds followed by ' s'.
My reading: 8 h 29 min 41 s
